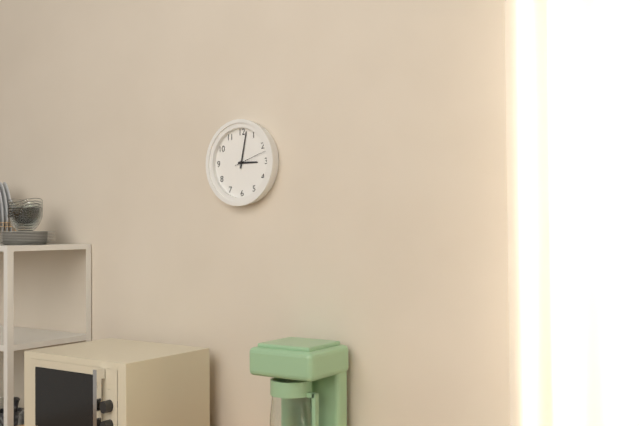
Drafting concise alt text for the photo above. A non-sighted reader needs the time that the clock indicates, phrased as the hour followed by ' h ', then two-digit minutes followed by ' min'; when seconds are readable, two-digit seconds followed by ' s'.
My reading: 3 h 02 min
